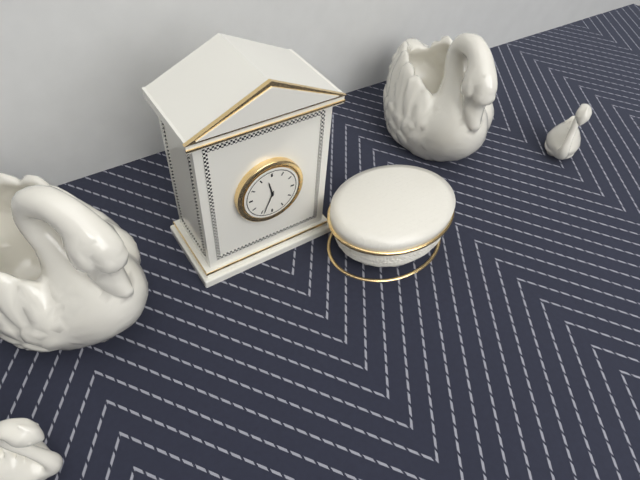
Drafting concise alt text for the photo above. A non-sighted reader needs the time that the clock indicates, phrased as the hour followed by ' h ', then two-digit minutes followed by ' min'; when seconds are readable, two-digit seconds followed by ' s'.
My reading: 11 h 34 min
